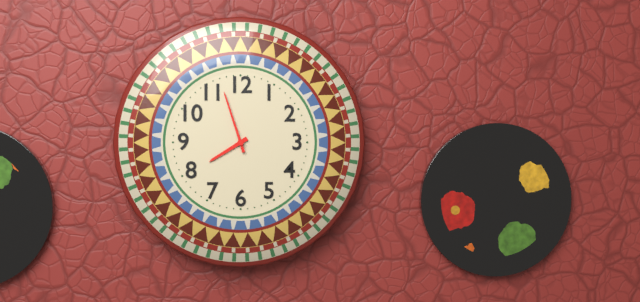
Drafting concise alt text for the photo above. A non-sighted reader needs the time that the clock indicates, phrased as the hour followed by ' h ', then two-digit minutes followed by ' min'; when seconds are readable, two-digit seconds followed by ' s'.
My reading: 7 h 57 min
